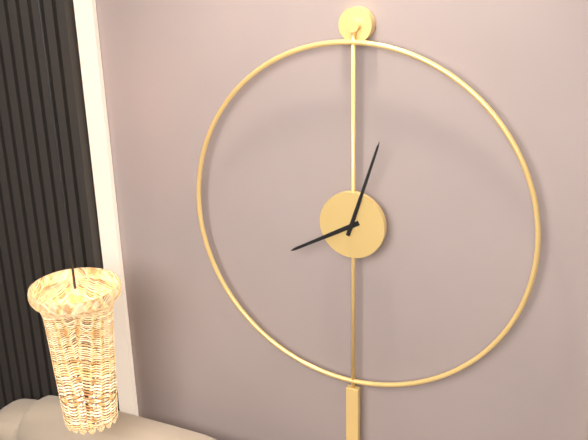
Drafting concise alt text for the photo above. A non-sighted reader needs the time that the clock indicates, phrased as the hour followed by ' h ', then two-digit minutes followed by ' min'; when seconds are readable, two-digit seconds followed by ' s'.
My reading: 8 h 03 min
